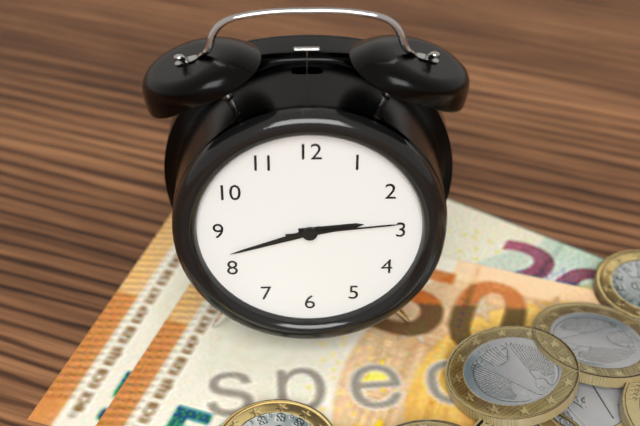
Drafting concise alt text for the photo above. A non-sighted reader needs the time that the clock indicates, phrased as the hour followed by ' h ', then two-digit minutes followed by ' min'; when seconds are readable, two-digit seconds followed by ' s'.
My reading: 2 h 42 min 14 s
